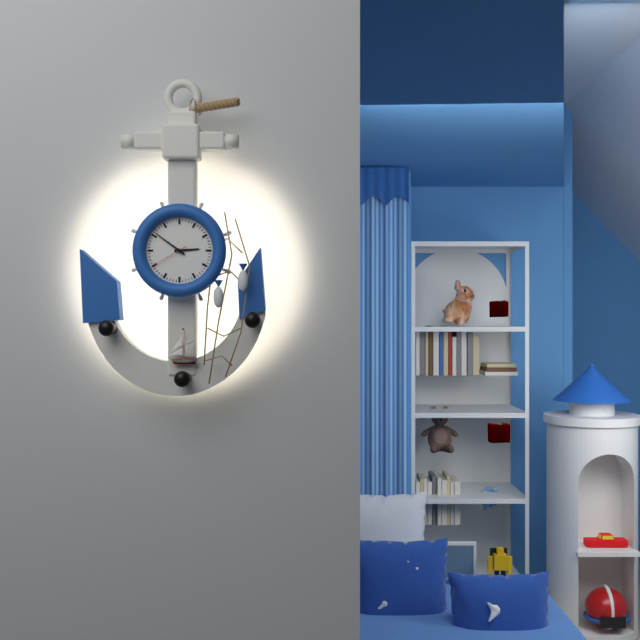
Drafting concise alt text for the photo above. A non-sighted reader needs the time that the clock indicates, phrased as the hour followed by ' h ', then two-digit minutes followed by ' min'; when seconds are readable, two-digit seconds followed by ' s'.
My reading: 2 h 51 min
